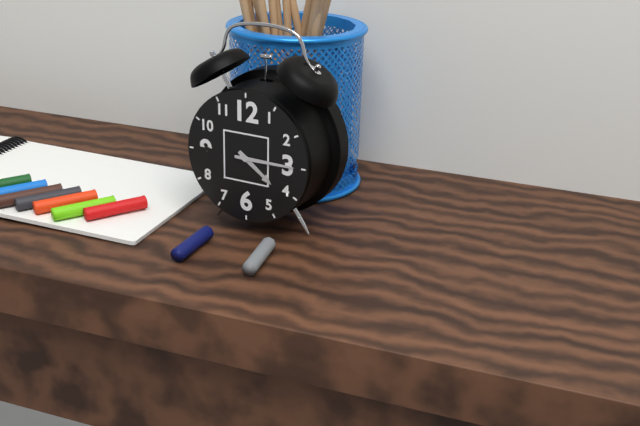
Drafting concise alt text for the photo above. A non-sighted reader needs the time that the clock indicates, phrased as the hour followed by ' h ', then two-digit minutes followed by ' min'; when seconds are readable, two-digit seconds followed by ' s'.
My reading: 4 h 15 min
